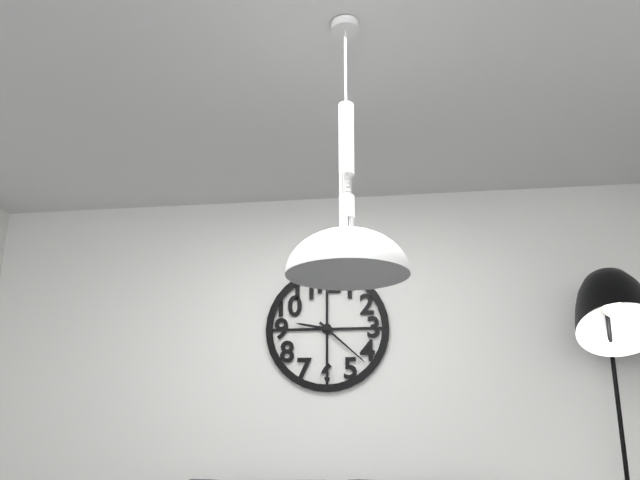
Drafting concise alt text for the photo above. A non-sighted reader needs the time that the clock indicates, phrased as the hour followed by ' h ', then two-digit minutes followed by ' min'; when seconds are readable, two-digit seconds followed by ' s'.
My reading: 9 h 22 min
